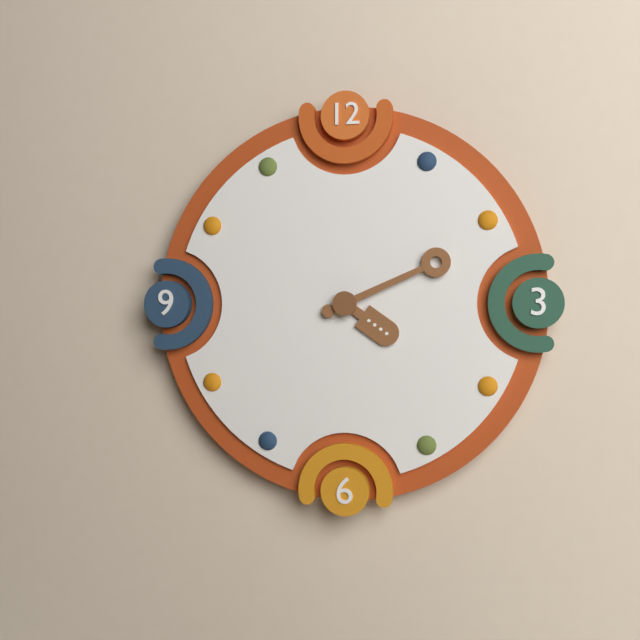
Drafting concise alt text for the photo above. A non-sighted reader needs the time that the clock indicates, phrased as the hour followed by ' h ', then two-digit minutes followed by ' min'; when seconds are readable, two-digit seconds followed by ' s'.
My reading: 4 h 11 min
